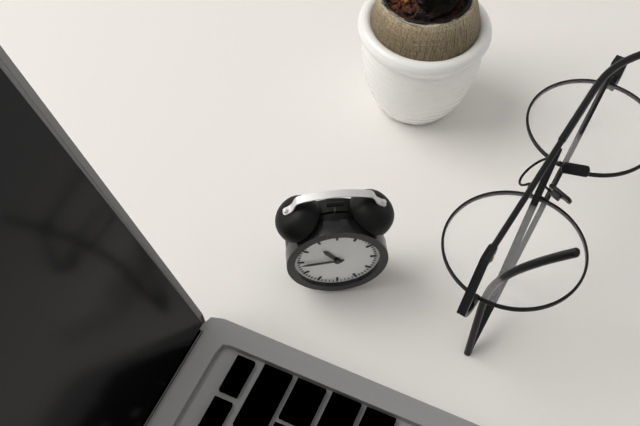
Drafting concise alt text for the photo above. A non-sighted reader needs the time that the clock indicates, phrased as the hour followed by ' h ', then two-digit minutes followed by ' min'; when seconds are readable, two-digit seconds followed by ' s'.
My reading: 10 h 44 min
